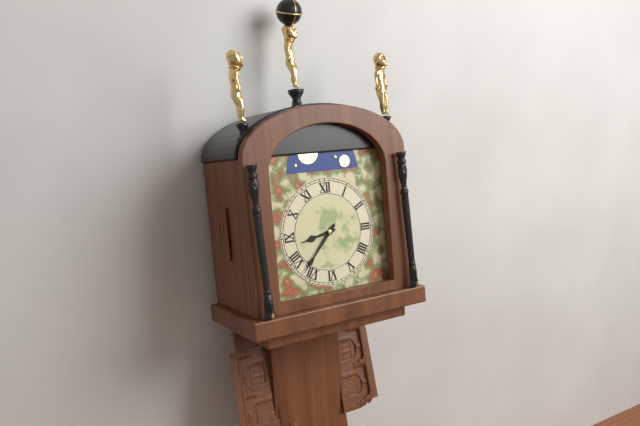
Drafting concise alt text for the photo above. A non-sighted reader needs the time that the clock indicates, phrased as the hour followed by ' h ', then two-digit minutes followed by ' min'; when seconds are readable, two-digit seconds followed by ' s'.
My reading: 8 h 37 min
